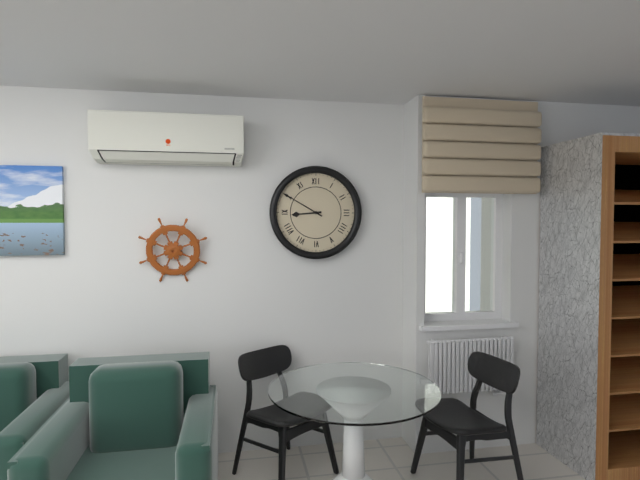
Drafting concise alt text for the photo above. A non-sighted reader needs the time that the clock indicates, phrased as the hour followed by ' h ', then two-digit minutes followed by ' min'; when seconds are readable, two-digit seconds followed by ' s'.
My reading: 8 h 50 min
